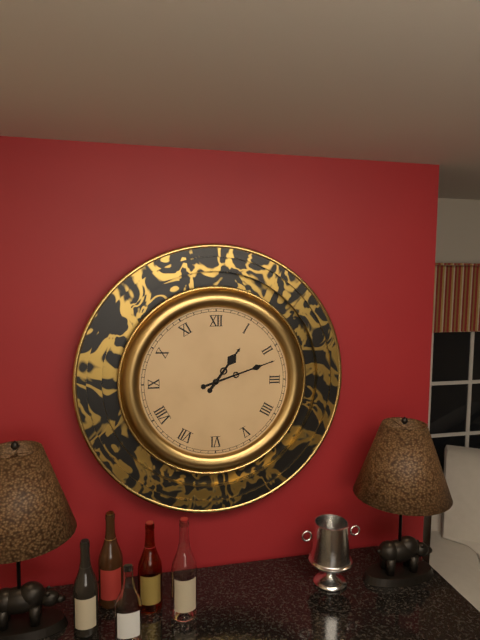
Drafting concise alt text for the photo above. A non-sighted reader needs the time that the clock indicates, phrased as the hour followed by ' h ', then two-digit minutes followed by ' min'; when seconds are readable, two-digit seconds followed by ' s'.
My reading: 1 h 12 min
